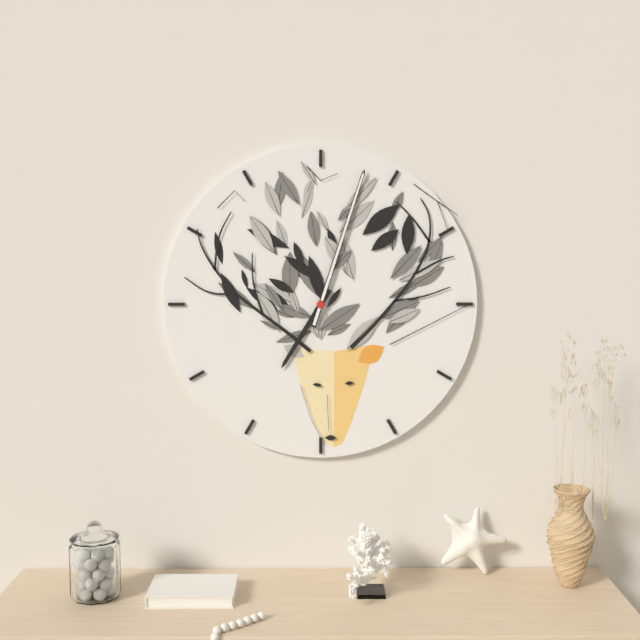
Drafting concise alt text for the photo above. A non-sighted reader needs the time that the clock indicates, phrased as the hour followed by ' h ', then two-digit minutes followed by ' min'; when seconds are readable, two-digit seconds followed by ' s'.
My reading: 7 h 03 min
